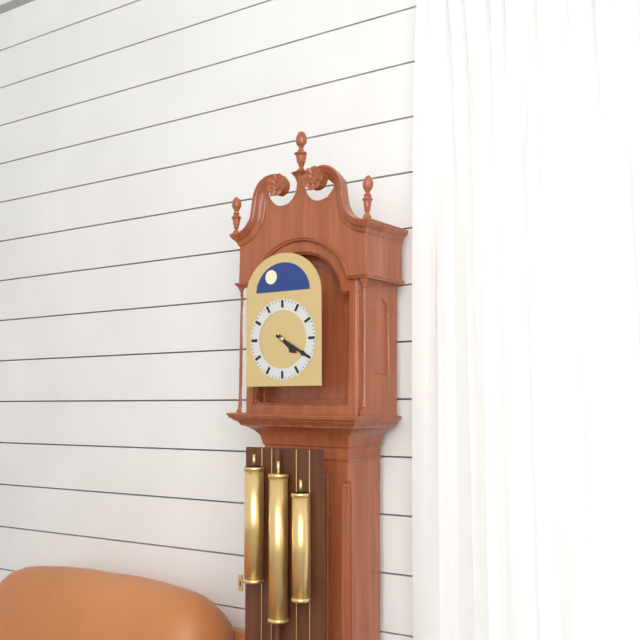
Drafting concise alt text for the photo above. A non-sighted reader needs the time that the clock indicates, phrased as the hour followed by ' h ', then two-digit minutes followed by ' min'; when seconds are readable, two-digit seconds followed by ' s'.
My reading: 4 h 20 min
